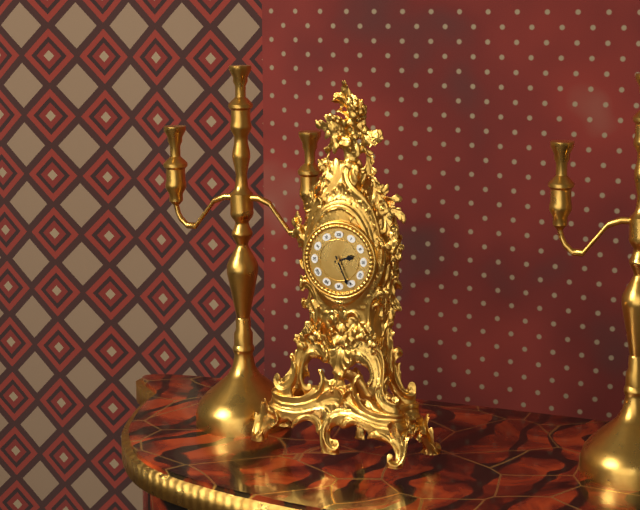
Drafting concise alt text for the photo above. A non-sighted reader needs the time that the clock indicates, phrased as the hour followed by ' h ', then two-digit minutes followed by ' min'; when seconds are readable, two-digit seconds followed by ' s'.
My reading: 2 h 26 min
